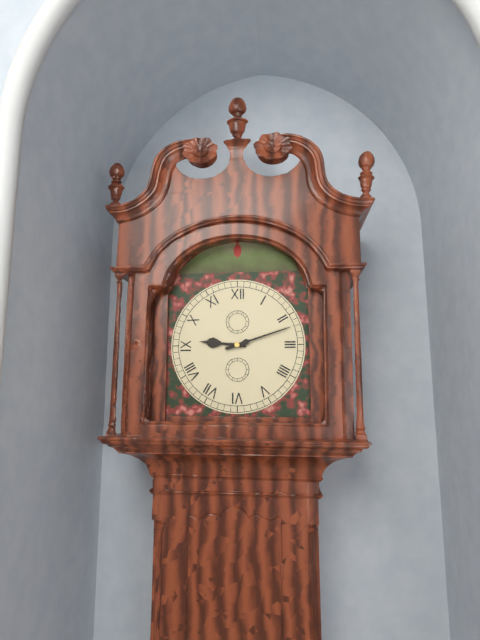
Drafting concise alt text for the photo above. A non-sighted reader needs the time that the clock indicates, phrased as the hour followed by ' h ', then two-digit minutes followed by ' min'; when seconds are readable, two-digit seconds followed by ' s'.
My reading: 9 h 12 min
